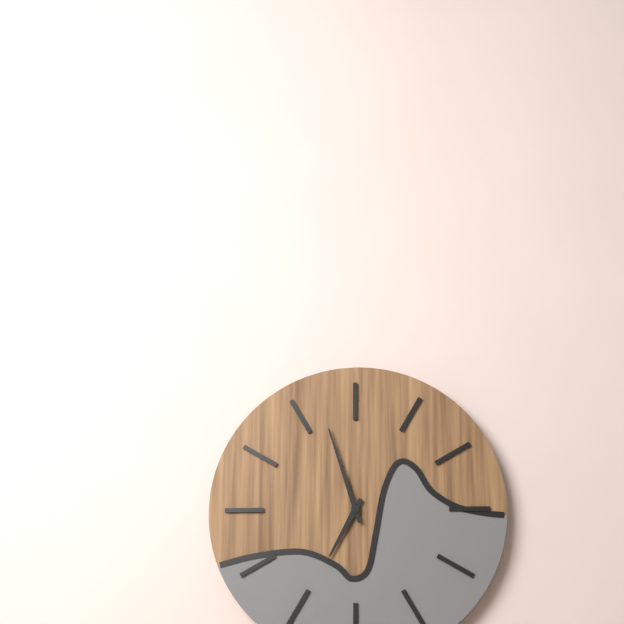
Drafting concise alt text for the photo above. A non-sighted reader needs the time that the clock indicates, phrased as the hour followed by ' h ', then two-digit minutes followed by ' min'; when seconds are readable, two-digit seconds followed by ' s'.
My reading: 6 h 57 min
